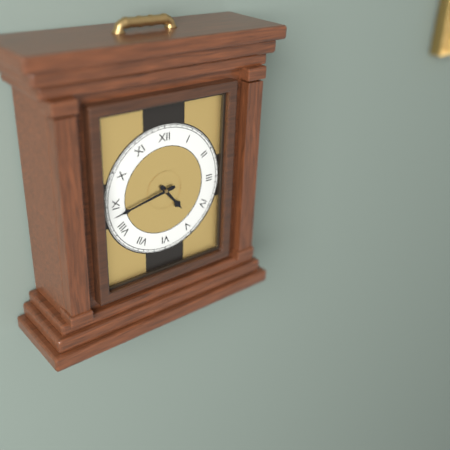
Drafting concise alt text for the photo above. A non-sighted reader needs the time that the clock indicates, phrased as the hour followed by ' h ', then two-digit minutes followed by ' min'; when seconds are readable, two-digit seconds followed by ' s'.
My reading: 4 h 43 min
